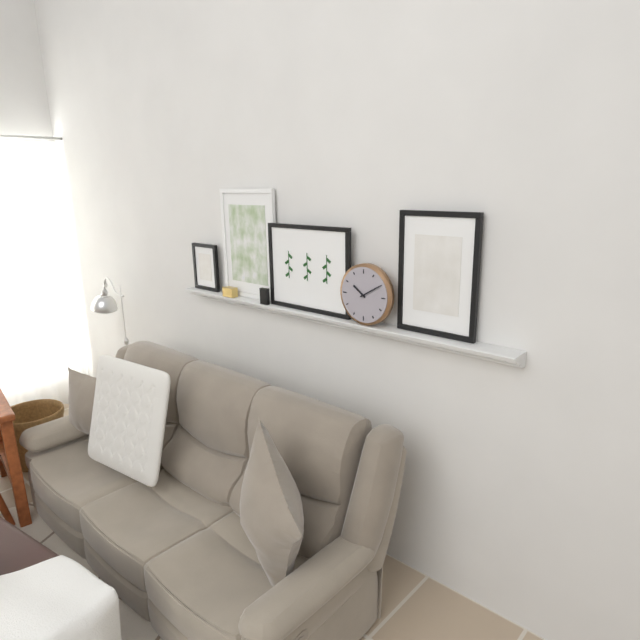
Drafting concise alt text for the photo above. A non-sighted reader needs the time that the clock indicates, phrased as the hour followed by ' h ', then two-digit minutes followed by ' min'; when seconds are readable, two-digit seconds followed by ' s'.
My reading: 10 h 10 min
